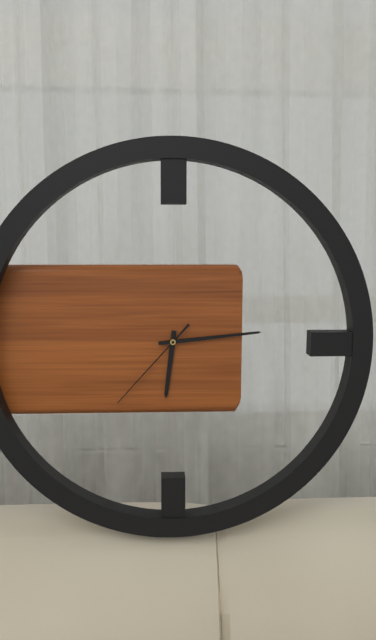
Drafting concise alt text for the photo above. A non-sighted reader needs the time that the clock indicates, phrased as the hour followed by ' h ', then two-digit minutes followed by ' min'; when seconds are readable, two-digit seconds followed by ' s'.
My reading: 6 h 14 min 37 s
